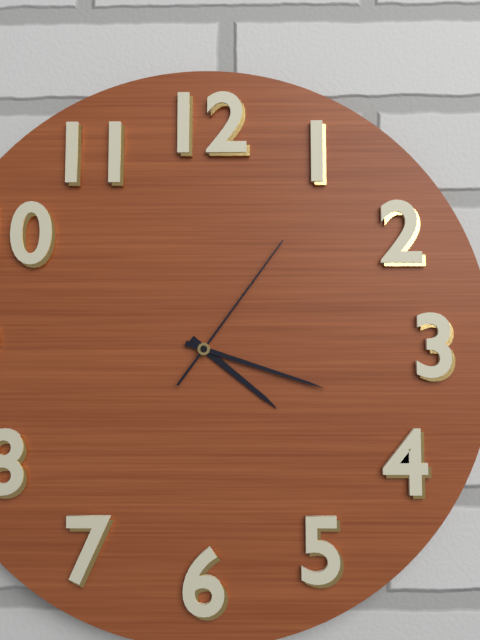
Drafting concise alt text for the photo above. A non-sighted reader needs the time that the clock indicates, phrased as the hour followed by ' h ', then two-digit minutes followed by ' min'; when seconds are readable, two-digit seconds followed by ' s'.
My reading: 4 h 18 min 06 s
